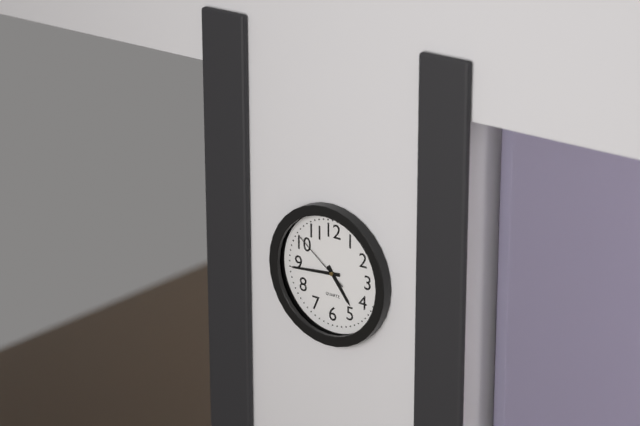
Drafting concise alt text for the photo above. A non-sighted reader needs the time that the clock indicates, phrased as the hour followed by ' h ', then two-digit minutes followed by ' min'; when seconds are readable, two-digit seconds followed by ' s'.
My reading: 4 h 44 min 51 s
